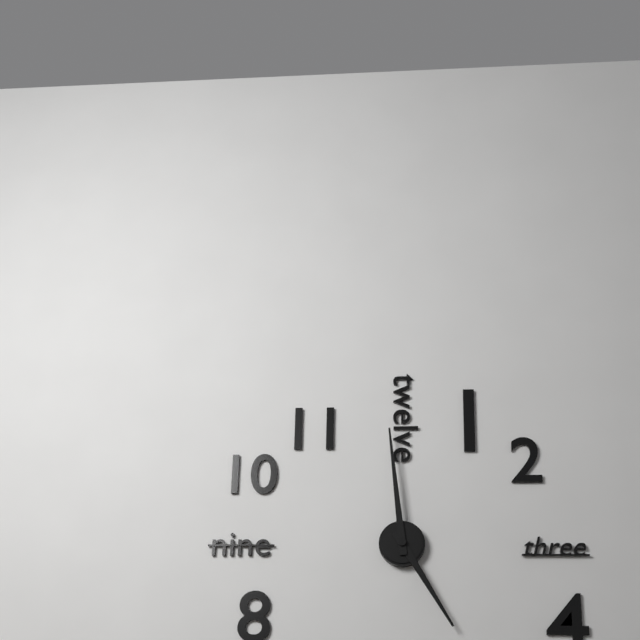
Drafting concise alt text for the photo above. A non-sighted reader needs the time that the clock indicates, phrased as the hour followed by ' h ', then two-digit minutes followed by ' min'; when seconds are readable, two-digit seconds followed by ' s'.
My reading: 4 h 59 min
